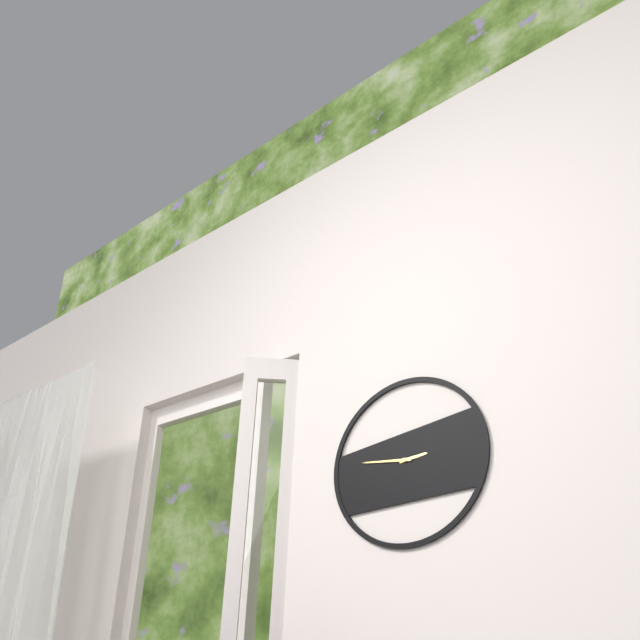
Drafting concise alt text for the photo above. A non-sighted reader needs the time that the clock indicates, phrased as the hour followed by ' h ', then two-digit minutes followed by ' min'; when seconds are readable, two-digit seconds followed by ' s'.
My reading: 2 h 46 min
